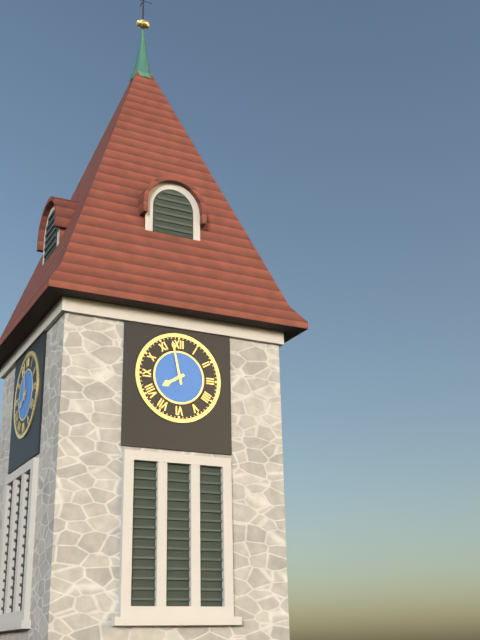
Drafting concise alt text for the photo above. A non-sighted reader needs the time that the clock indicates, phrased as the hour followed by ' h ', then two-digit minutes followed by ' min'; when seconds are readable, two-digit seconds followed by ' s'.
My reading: 7 h 58 min
